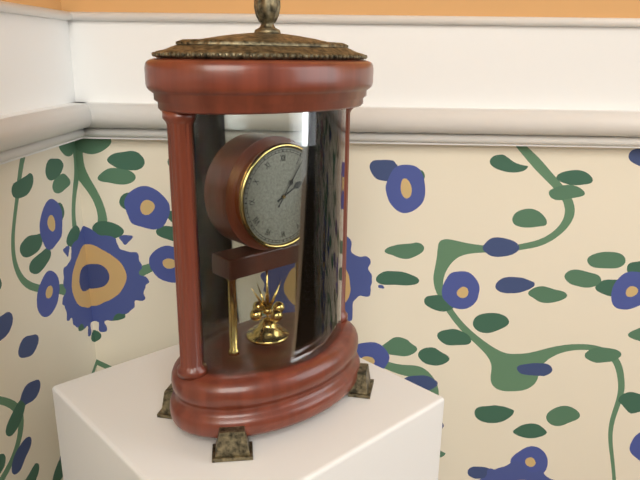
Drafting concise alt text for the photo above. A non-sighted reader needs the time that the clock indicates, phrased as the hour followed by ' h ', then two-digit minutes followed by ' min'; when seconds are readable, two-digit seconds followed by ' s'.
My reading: 2 h 06 min
